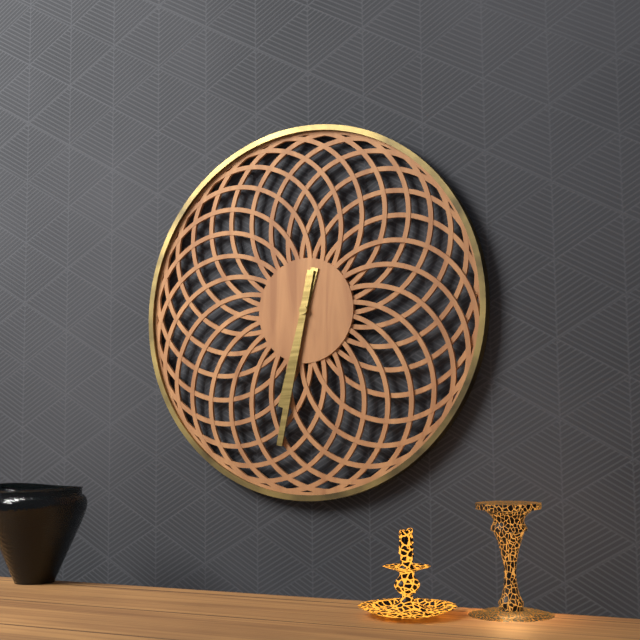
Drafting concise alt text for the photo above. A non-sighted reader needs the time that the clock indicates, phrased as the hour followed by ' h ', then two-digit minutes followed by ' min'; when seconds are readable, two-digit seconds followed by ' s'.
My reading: 6 h 32 min
